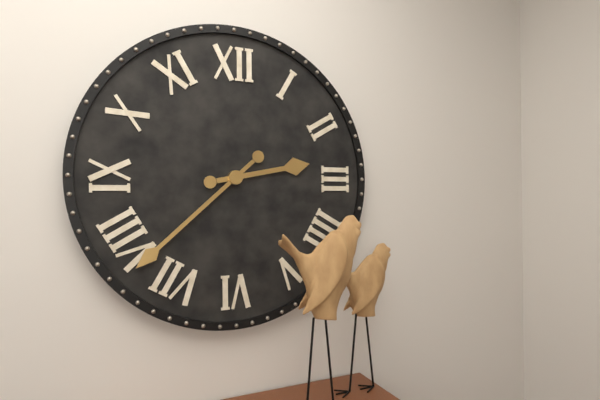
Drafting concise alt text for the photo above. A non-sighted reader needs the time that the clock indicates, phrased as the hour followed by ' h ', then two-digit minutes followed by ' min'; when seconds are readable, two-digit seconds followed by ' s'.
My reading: 2 h 38 min
